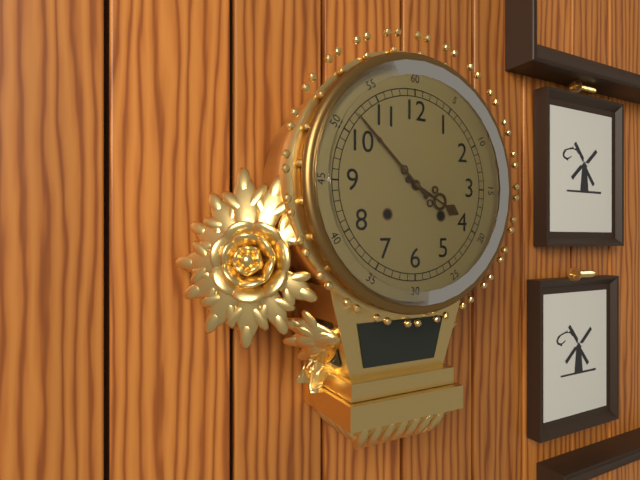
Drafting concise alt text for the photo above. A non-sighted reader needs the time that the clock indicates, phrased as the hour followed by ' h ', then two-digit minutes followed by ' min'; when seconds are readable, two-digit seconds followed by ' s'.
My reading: 3 h 52 min
